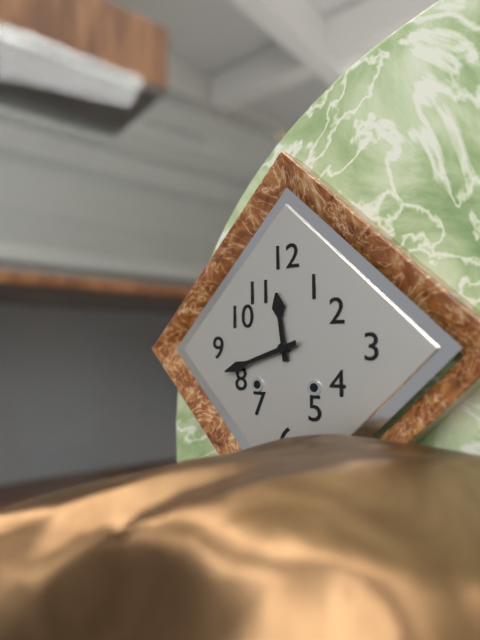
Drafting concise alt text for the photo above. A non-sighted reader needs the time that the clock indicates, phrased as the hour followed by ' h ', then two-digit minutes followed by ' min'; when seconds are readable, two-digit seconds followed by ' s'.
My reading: 11 h 42 min
